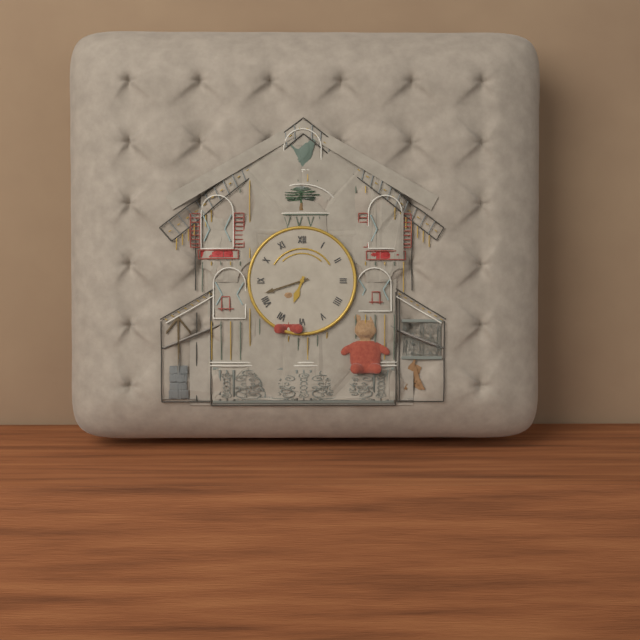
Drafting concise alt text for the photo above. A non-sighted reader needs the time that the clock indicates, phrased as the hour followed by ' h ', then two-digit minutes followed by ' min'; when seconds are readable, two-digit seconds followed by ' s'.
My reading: 6 h 42 min
